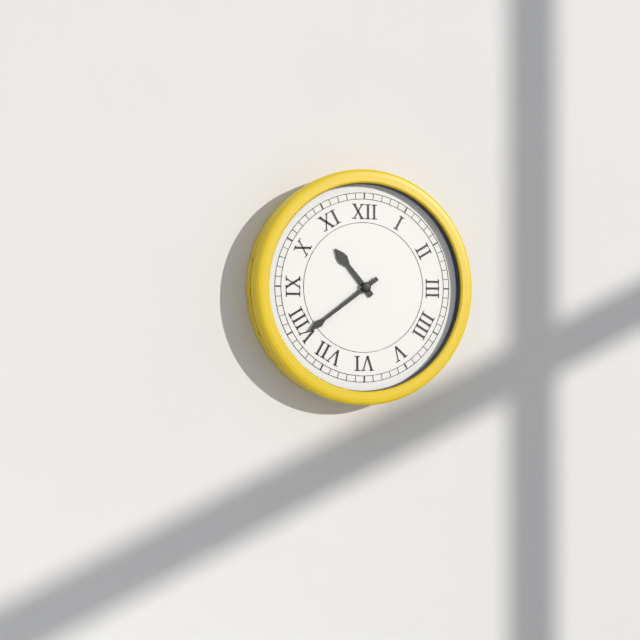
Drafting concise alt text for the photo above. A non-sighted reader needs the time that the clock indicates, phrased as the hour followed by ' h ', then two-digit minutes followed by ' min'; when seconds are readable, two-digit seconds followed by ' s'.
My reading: 10 h 39 min
